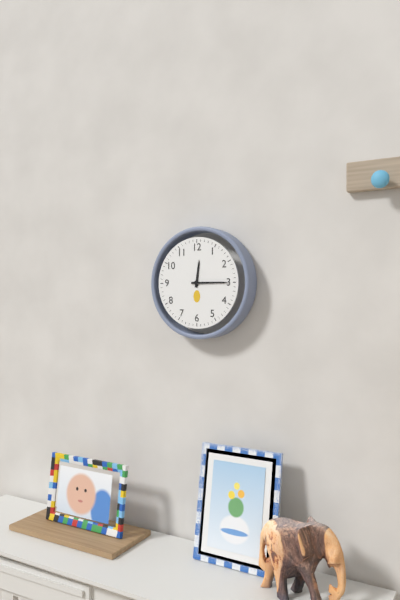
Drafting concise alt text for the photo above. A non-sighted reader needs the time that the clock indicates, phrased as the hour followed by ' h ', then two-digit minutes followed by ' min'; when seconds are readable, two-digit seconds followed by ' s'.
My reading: 12 h 15 min
